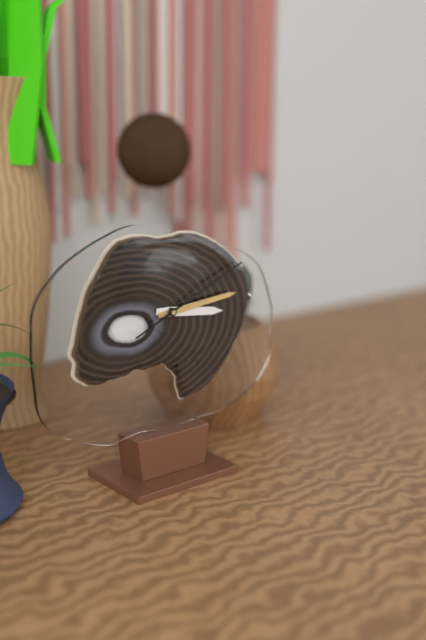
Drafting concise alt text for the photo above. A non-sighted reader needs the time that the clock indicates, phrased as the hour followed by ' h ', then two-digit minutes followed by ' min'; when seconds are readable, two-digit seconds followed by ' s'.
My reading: 3 h 14 min 11 s
